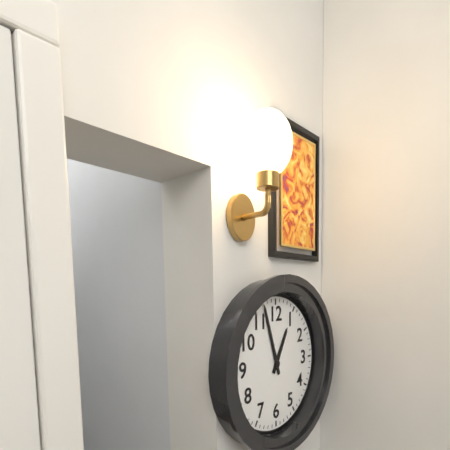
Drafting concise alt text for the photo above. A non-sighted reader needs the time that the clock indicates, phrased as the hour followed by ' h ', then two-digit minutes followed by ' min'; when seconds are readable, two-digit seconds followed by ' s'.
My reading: 12 h 57 min
